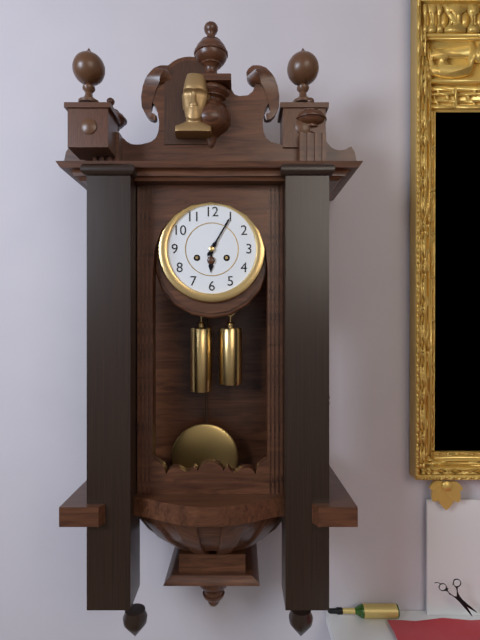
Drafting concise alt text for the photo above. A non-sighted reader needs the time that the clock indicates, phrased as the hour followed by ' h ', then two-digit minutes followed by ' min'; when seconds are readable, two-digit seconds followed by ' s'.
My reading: 6 h 05 min
